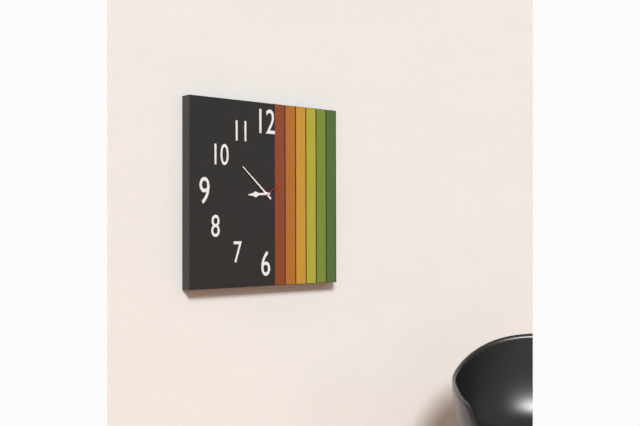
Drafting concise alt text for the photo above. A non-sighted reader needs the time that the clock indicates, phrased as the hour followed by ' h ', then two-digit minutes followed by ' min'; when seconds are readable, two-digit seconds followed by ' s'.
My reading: 8 h 52 min
